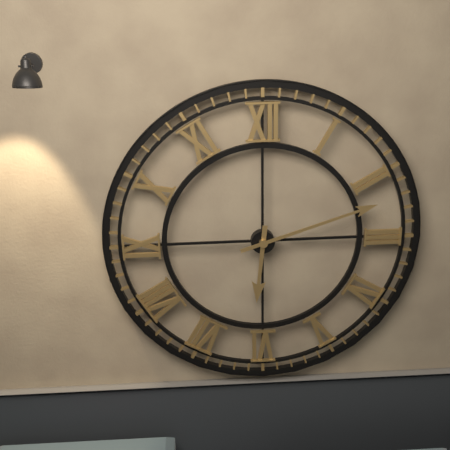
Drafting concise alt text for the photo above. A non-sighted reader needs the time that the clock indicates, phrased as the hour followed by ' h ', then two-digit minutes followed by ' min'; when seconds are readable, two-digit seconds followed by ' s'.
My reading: 6 h 12 min
